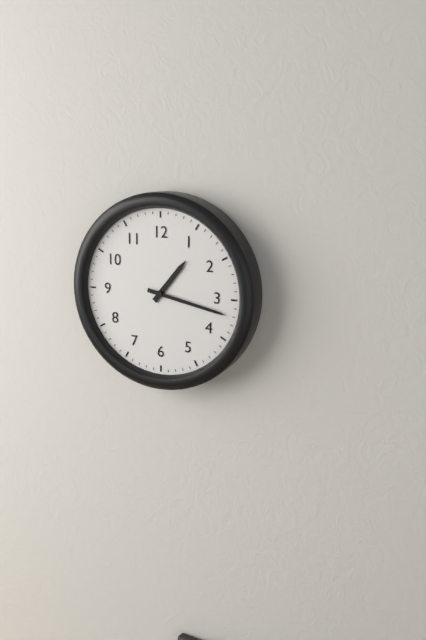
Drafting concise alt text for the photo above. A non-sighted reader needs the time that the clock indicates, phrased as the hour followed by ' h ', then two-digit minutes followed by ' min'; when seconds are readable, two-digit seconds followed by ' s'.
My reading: 1 h 17 min
